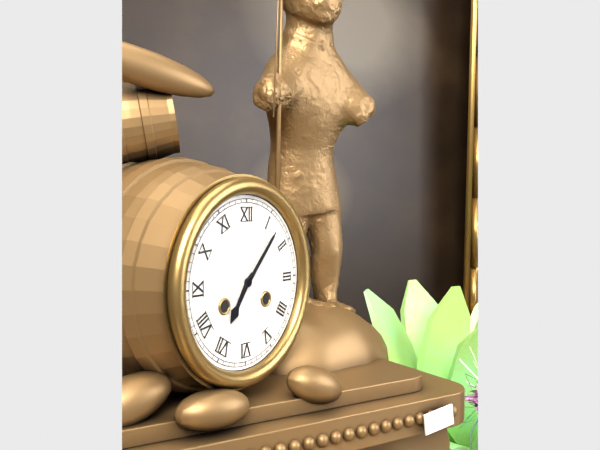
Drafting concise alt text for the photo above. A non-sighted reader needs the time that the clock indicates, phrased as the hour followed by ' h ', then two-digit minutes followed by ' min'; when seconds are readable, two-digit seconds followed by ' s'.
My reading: 7 h 07 min
